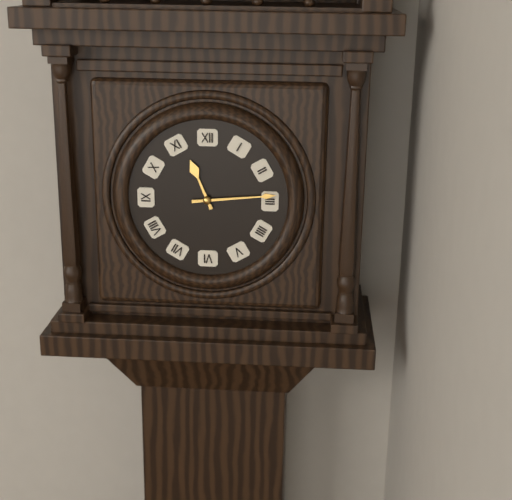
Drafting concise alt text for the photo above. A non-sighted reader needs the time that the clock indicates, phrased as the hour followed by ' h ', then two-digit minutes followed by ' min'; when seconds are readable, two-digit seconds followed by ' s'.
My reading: 11 h 14 min
